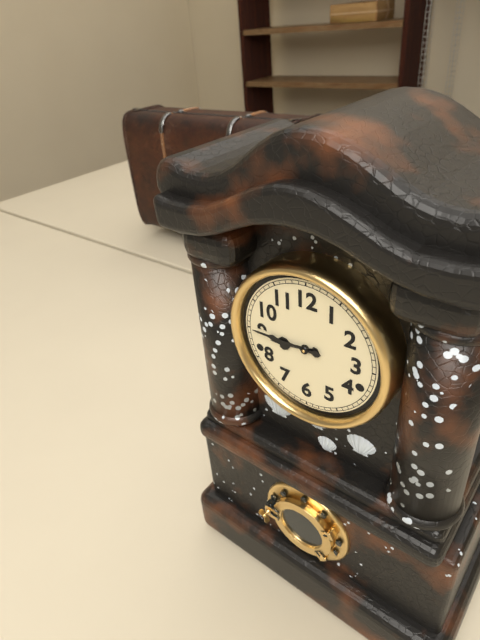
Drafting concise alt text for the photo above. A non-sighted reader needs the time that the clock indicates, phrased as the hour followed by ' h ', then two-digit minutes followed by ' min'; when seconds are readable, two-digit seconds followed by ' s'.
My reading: 8 h 45 min
